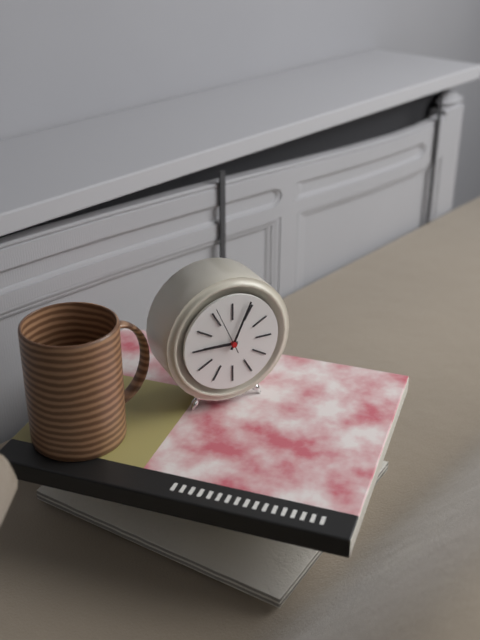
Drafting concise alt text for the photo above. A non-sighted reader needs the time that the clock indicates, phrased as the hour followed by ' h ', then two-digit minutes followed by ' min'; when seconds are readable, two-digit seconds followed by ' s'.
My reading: 9 h 04 min
